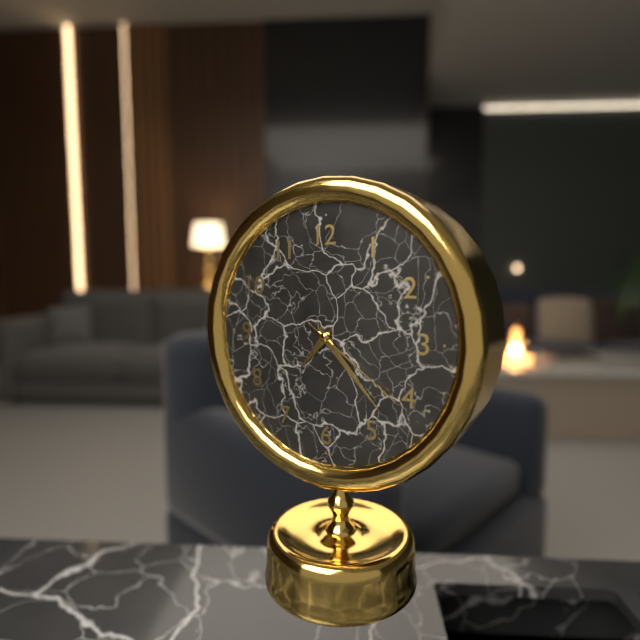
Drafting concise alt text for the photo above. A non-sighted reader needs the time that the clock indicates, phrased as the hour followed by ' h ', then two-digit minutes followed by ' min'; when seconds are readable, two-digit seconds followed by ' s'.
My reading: 7 h 23 min 21 s
